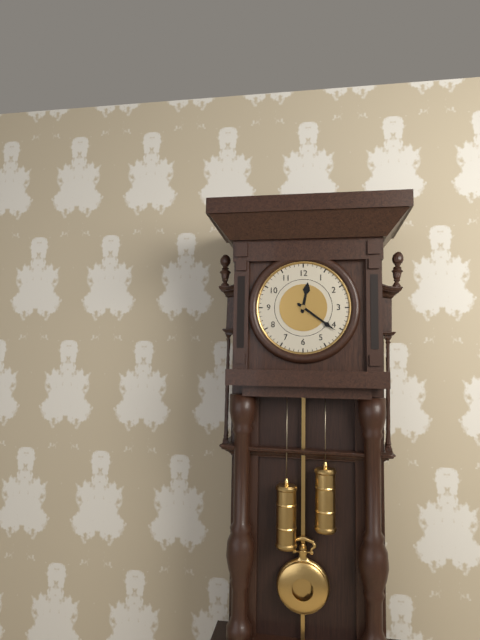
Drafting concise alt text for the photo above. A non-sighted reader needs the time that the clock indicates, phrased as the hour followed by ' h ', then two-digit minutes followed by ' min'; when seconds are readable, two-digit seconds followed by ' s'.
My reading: 12 h 21 min
